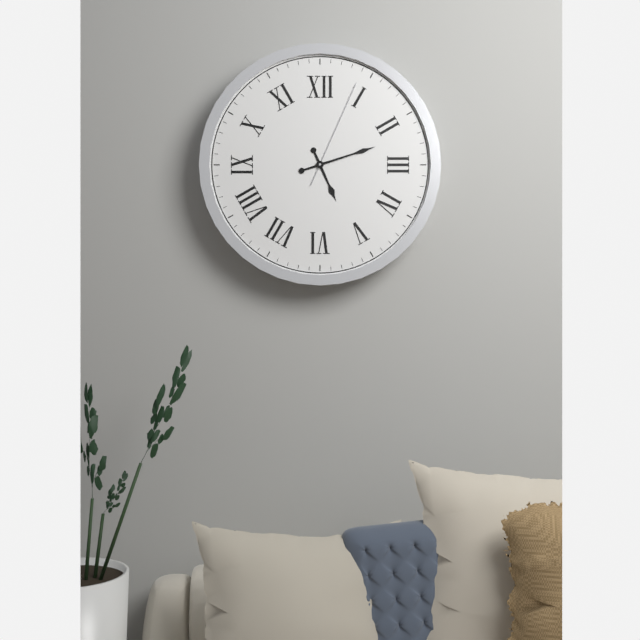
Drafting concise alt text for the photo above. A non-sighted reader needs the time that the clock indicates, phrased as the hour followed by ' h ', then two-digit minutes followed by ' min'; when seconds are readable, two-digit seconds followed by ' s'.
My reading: 5 h 12 min 04 s
